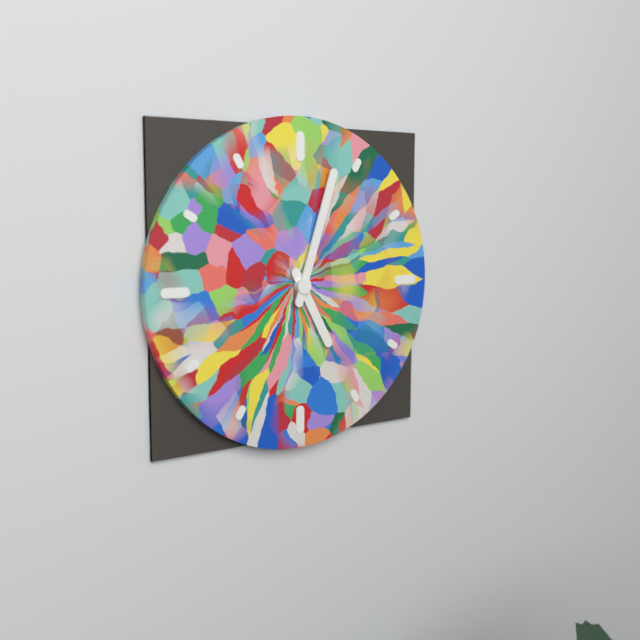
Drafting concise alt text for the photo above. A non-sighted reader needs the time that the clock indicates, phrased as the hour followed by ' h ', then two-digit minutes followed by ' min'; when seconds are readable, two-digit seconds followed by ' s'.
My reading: 5 h 03 min
